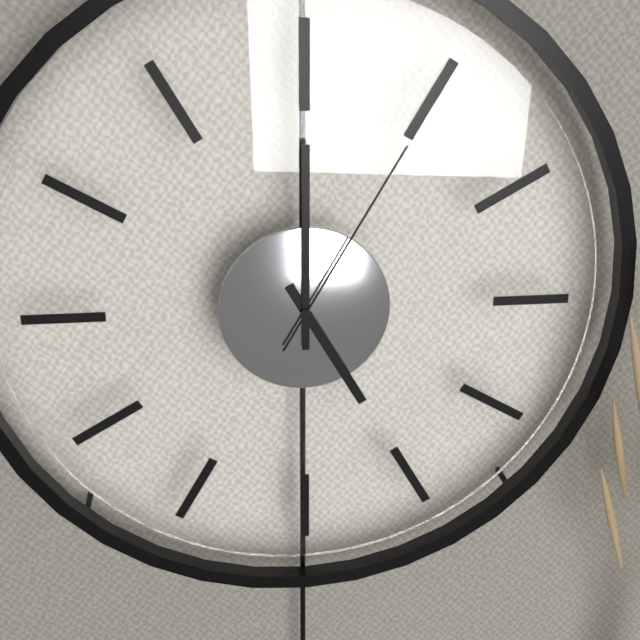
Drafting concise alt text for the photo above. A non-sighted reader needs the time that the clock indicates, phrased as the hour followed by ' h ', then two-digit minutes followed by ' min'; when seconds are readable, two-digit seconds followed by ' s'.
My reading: 5 h 00 min 05 s
